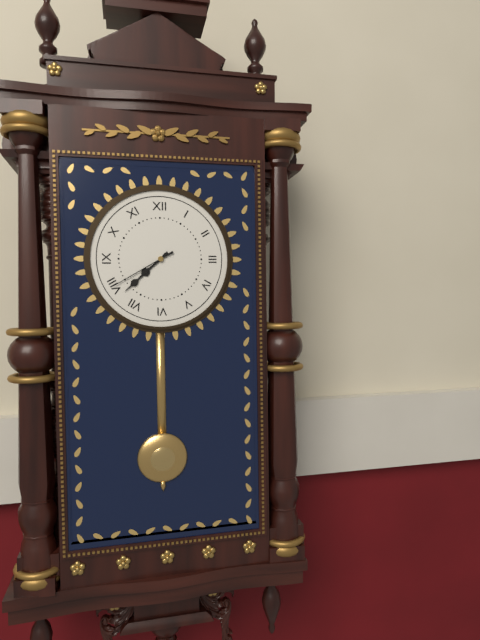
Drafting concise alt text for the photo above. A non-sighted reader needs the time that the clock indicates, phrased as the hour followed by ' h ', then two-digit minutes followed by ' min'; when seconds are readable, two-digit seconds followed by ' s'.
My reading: 7 h 38 min 40 s
